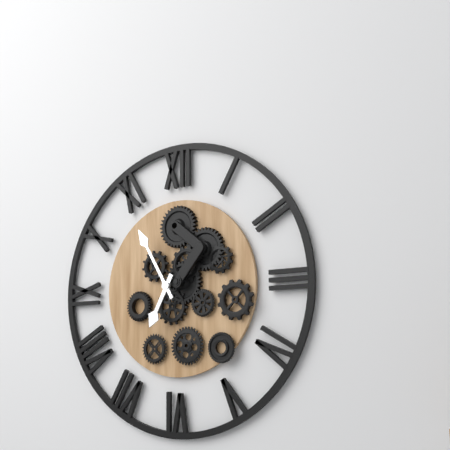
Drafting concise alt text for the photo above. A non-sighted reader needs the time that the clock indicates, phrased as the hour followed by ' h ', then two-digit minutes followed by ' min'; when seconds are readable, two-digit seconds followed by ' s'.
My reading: 6 h 55 min
